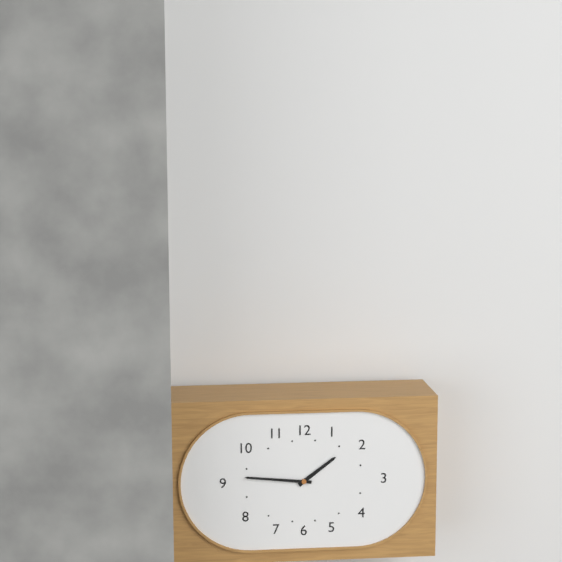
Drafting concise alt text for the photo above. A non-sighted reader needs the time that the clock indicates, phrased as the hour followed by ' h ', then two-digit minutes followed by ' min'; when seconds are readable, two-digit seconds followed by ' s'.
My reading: 1 h 46 min
